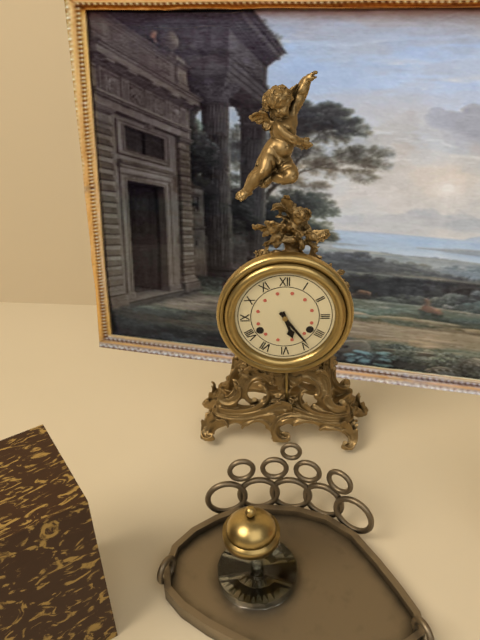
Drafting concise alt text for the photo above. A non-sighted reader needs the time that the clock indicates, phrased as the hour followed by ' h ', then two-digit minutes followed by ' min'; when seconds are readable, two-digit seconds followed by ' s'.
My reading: 5 h 24 min
